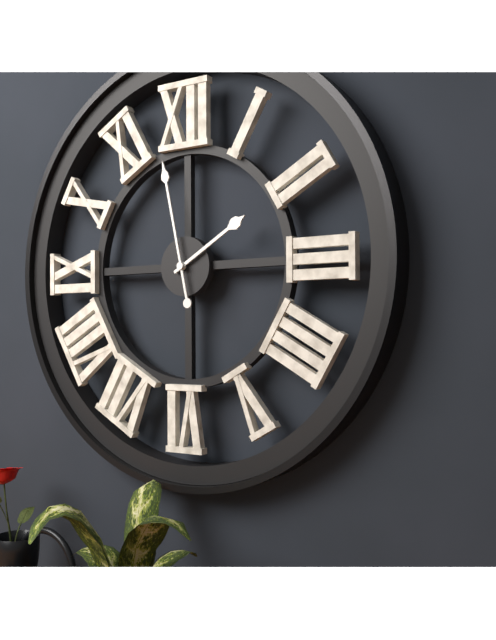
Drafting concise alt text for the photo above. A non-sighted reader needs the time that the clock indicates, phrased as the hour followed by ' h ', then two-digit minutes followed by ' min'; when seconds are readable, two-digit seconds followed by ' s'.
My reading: 1 h 58 min
